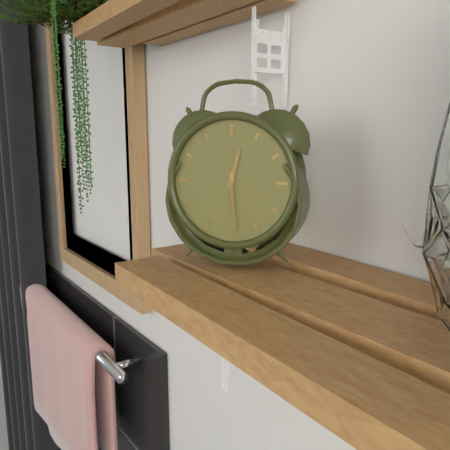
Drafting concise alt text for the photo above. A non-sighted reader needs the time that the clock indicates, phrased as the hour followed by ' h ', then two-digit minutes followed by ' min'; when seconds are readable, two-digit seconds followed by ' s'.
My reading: 12 h 29 min
